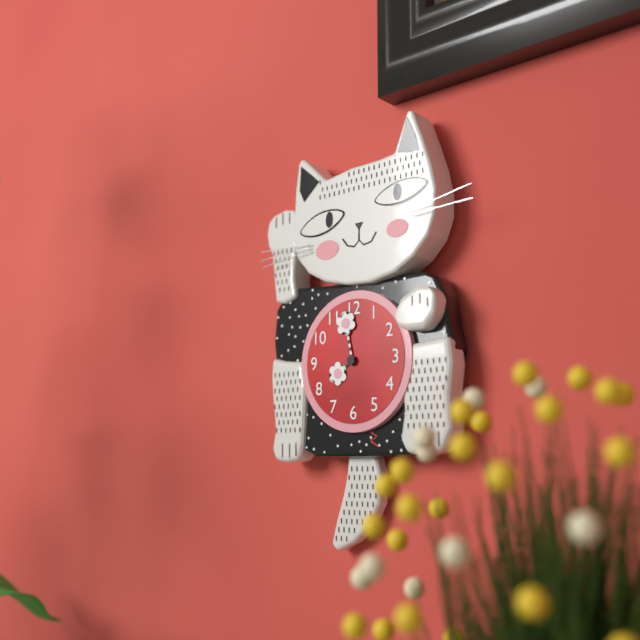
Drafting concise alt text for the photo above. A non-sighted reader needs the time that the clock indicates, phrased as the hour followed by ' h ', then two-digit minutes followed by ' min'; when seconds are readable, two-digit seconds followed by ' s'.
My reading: 7 h 58 min
